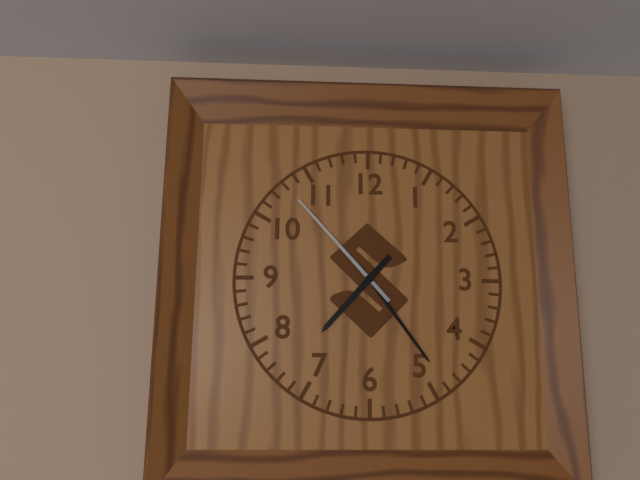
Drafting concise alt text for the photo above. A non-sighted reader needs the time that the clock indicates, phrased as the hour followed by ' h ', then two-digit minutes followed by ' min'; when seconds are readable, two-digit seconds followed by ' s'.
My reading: 7 h 24 min 53 s
